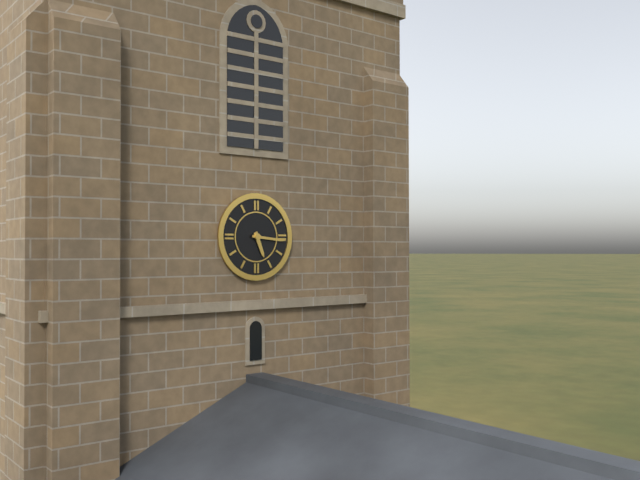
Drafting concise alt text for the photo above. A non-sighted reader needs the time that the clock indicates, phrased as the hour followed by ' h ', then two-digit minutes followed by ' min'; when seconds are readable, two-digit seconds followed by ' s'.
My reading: 5 h 16 min
